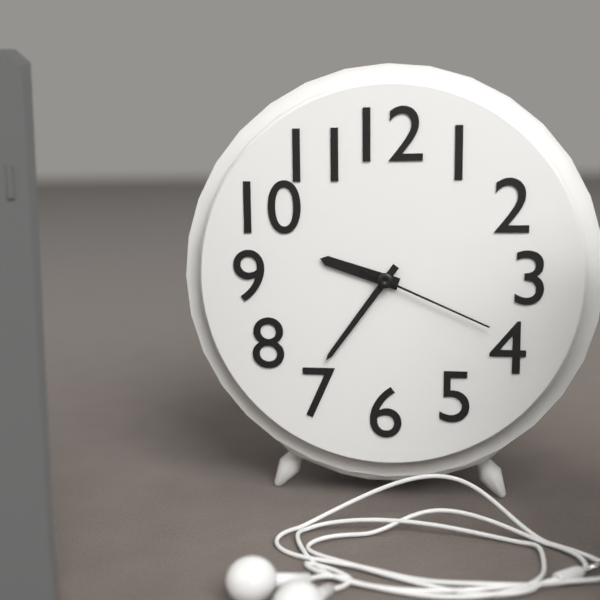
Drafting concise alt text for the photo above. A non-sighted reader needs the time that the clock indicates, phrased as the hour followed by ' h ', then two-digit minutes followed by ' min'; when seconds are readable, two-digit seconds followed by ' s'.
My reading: 9 h 36 min 19 s
